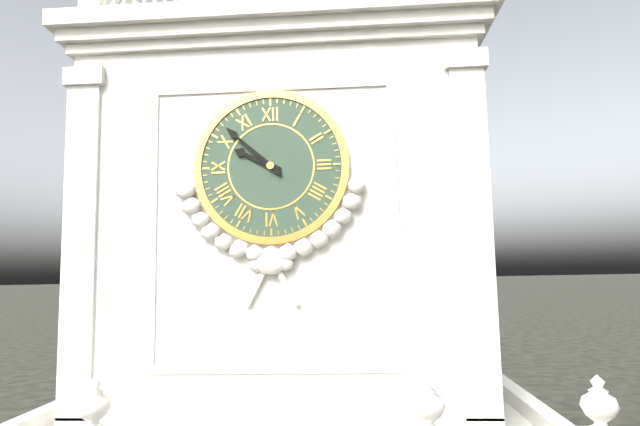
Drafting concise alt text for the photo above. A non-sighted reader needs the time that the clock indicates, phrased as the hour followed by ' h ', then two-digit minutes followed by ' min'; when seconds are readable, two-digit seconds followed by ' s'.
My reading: 9 h 52 min
